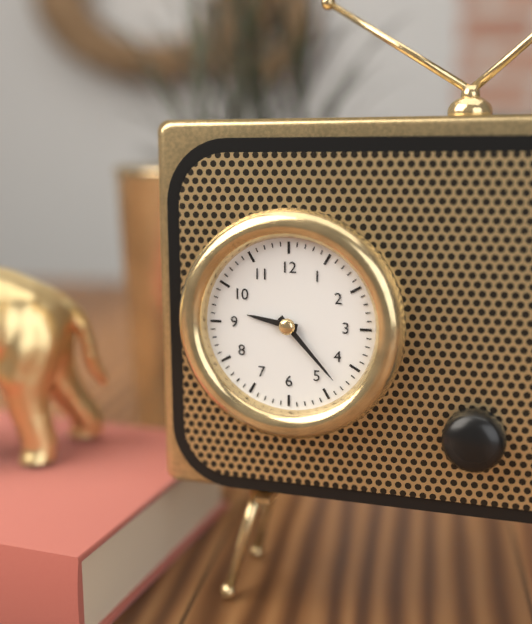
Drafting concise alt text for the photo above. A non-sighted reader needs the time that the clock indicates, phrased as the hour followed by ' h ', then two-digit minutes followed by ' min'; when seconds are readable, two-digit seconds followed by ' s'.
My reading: 9 h 23 min
